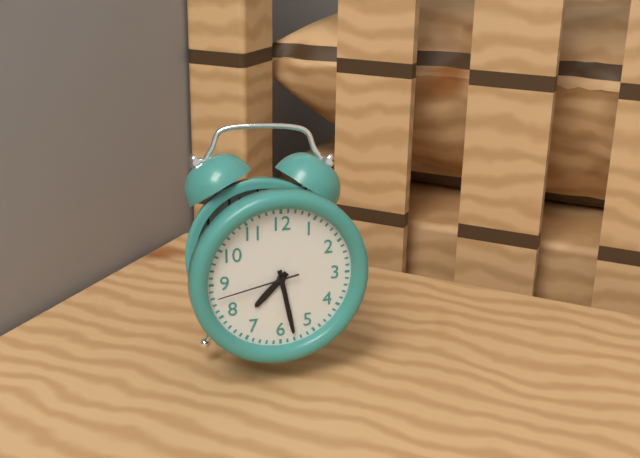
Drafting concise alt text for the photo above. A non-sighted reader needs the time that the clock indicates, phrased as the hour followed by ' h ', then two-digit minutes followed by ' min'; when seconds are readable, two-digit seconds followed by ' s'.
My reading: 7 h 28 min 43 s
